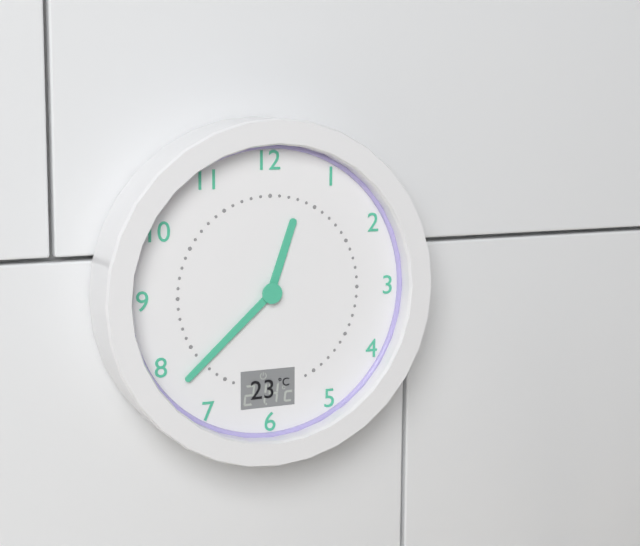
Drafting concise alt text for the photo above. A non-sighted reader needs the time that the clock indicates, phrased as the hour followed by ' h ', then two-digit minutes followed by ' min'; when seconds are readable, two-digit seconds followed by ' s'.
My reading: 12 h 38 min
